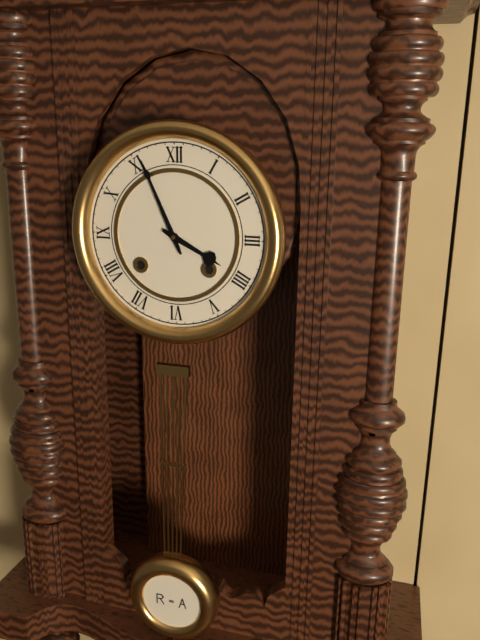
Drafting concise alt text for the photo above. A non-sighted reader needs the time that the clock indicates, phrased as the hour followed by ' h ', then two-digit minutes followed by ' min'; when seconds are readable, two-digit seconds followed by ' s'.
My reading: 3 h 56 min
